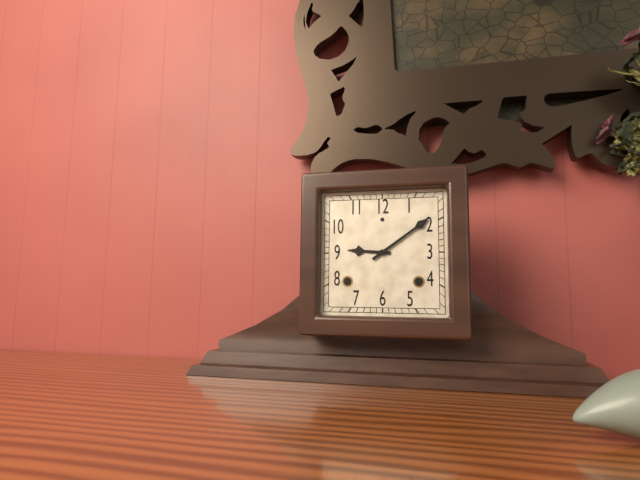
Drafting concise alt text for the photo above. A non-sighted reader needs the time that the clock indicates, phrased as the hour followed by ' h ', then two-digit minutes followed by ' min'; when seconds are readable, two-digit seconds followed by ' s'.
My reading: 9 h 09 min
